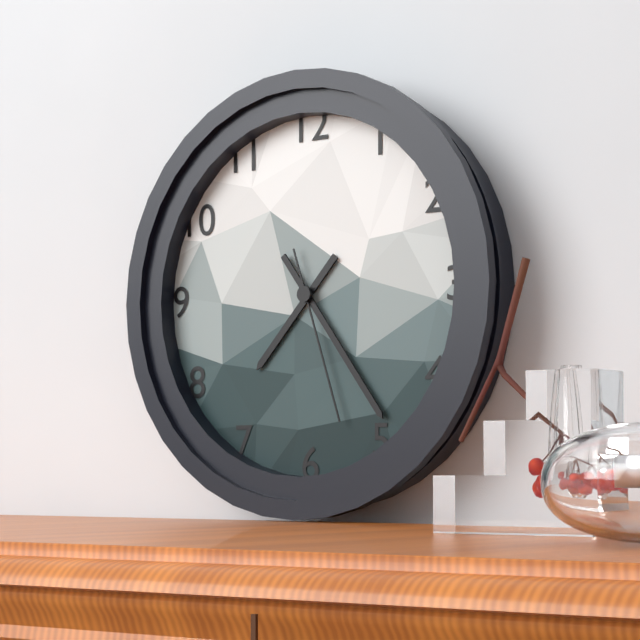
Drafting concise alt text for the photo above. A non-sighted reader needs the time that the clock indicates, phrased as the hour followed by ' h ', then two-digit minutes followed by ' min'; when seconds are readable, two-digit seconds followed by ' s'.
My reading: 7 h 24 min 27 s
